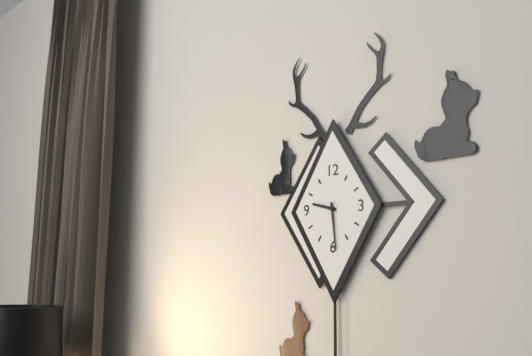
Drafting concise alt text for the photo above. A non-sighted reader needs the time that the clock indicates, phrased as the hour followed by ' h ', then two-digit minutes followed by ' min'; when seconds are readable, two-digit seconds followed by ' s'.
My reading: 9 h 29 min
